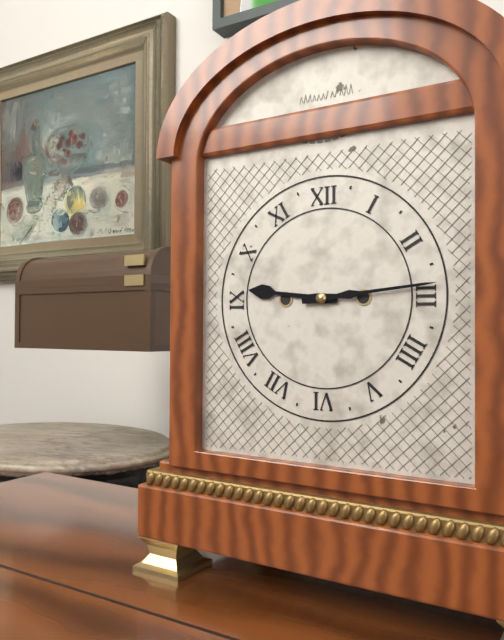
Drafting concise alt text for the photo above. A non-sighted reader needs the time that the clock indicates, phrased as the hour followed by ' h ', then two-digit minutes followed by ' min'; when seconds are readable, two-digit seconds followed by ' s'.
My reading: 9 h 14 min
